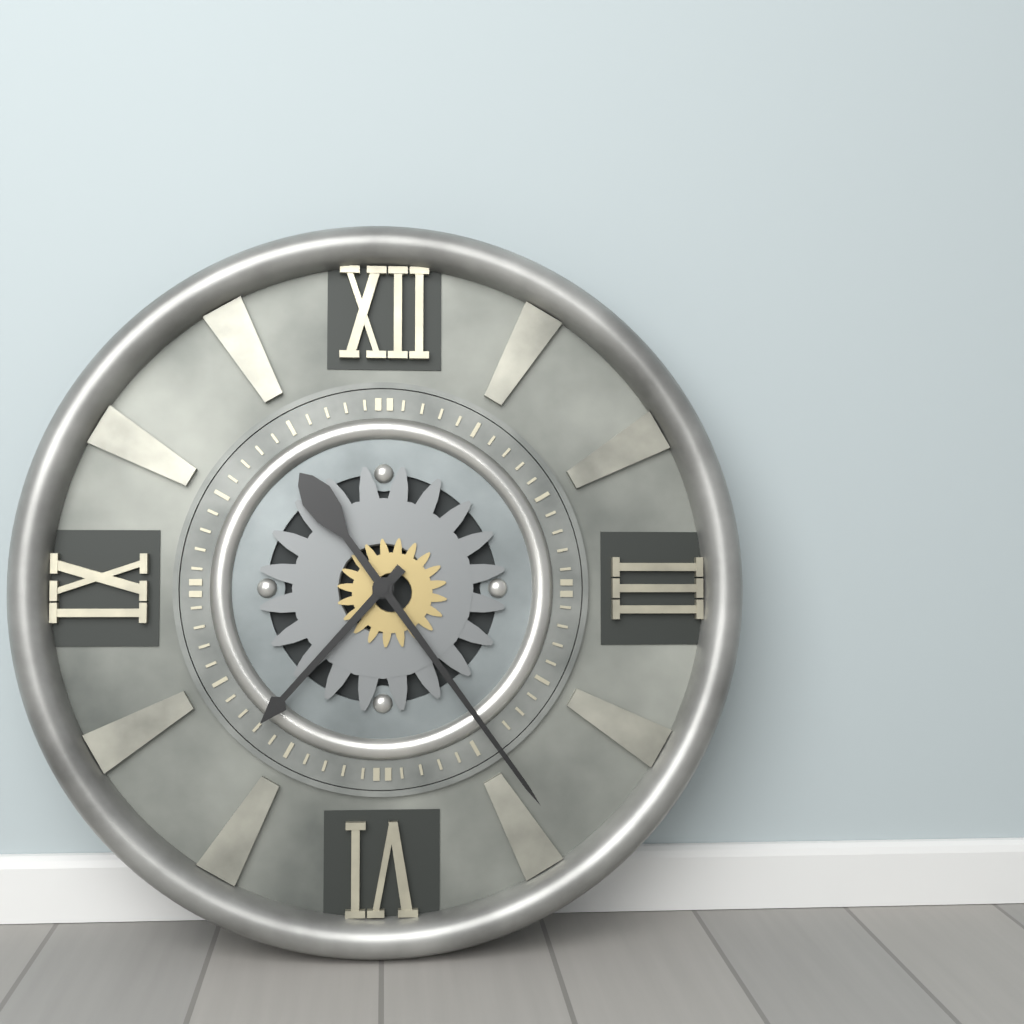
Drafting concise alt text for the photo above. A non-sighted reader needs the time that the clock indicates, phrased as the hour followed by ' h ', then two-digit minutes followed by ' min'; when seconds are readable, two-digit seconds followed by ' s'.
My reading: 7 h 24 min
